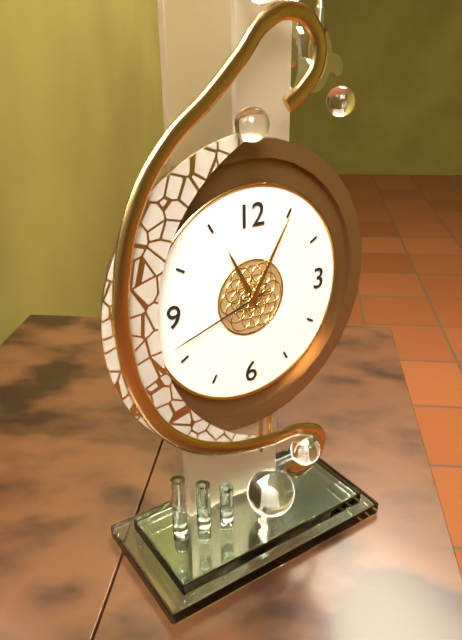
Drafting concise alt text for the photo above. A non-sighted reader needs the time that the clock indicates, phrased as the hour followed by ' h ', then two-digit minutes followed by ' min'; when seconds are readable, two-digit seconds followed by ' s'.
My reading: 11 h 05 min 42 s
